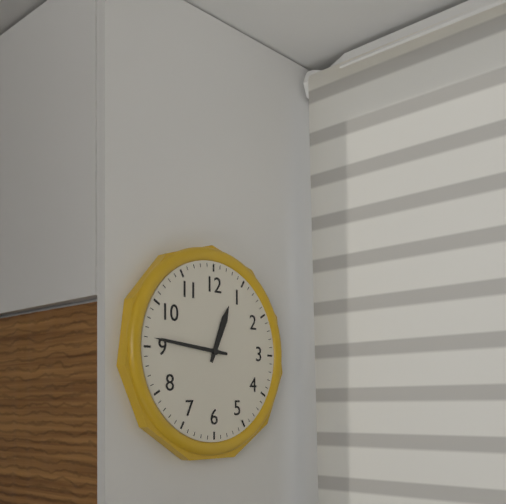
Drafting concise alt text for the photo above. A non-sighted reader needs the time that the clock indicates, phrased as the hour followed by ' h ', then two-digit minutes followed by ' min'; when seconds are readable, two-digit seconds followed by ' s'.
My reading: 12 h 46 min
